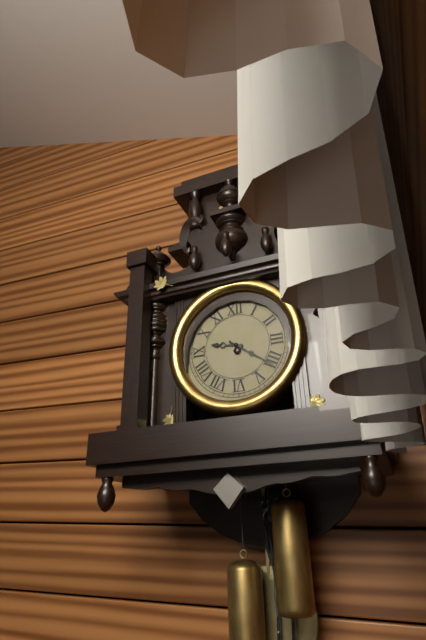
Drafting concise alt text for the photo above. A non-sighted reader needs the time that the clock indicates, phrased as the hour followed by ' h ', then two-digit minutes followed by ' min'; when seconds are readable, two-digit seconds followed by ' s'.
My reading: 9 h 21 min
